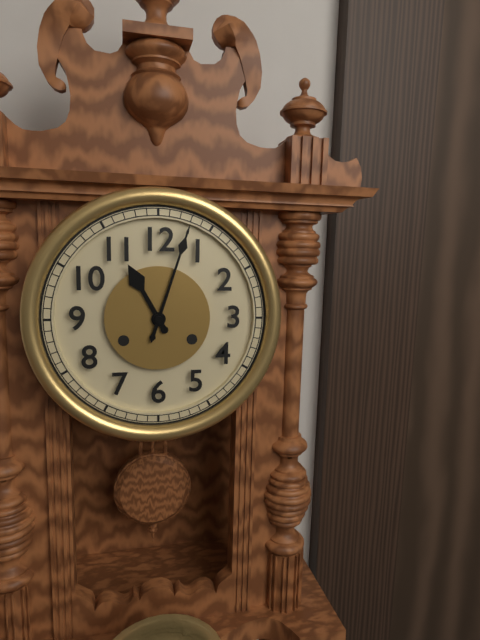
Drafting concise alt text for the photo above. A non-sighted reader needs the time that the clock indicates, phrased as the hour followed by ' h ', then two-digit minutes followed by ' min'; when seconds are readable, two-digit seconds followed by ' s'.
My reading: 11 h 03 min
